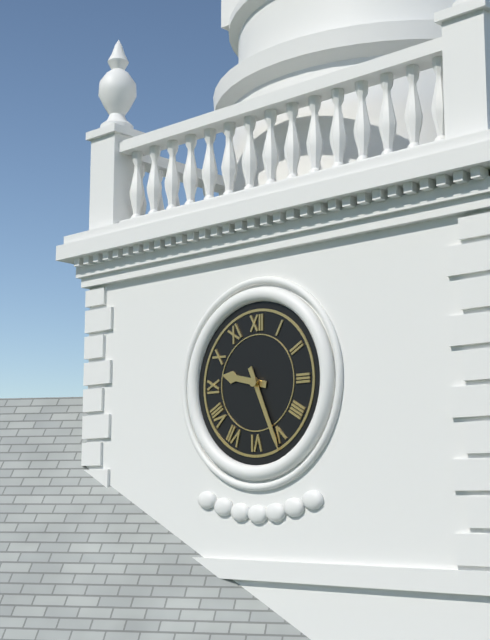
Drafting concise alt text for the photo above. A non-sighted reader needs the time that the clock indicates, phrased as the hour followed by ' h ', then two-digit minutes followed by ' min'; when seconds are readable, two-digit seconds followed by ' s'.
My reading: 9 h 26 min
